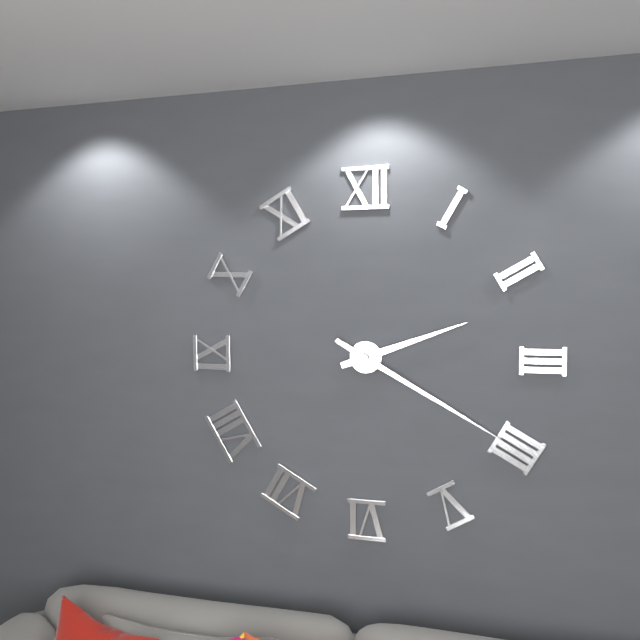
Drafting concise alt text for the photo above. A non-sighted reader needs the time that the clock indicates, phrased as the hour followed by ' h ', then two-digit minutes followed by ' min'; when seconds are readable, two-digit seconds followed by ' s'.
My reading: 2 h 20 min
